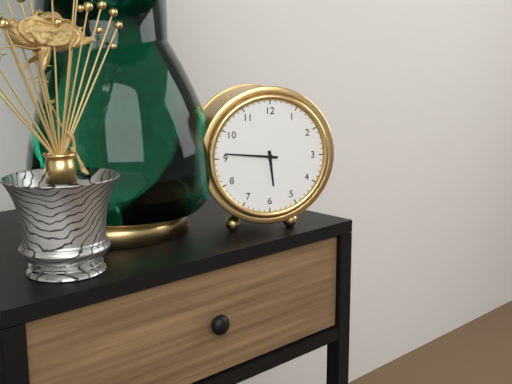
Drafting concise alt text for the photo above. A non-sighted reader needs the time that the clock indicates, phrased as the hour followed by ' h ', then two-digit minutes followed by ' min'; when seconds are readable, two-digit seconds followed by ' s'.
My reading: 5 h 46 min
